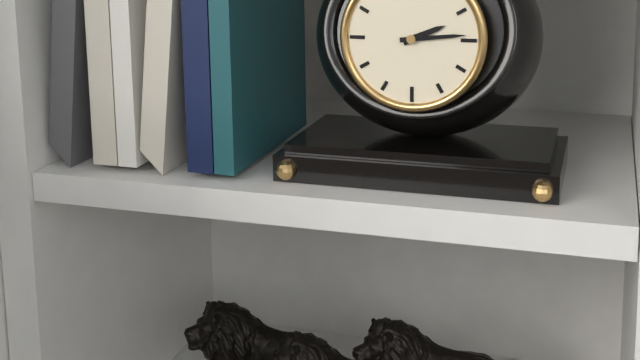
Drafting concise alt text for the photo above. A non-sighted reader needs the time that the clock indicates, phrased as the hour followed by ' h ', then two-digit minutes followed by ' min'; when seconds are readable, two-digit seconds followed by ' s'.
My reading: 2 h 14 min
